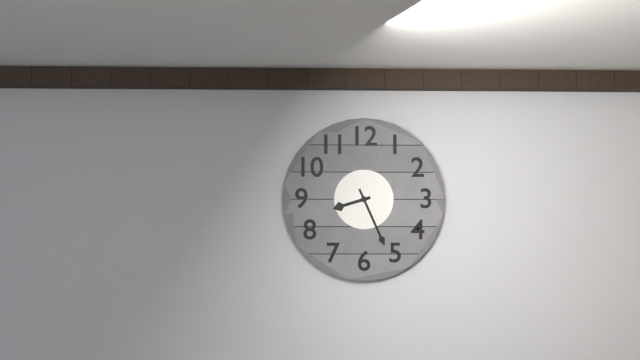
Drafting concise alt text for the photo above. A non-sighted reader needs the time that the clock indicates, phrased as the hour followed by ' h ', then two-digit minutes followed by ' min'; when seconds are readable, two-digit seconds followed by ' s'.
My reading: 8 h 26 min
